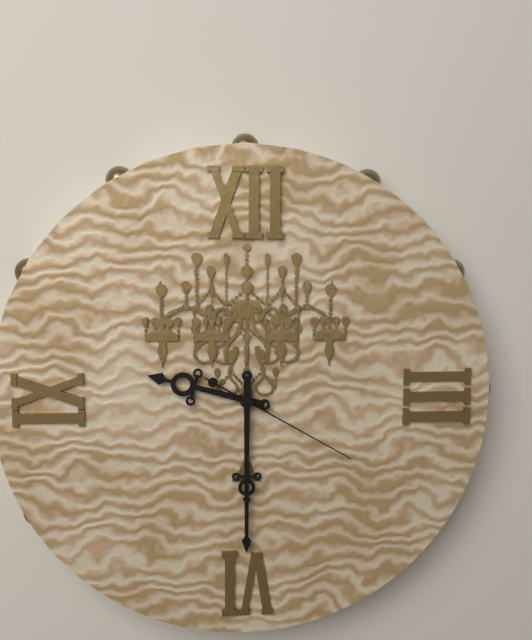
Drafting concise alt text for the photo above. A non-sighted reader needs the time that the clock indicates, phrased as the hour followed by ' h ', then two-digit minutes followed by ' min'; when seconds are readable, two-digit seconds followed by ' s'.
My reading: 9 h 30 min 20 s
